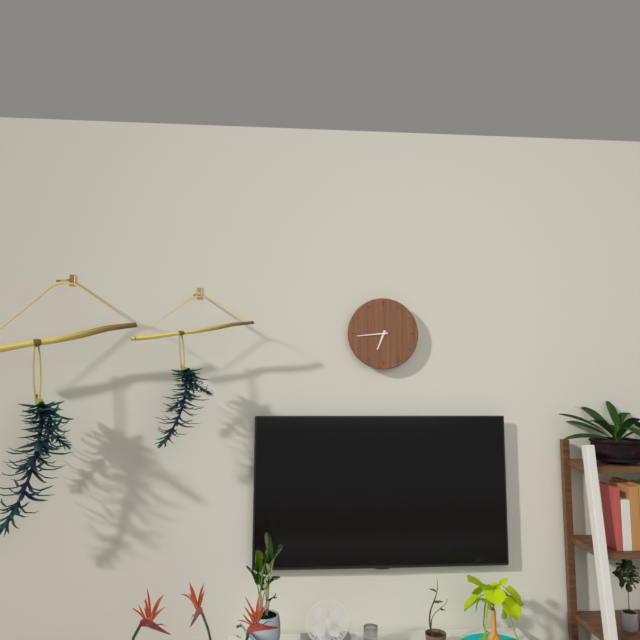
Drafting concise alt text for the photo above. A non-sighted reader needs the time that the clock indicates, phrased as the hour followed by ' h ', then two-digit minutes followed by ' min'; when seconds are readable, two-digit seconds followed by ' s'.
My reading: 6 h 44 min
